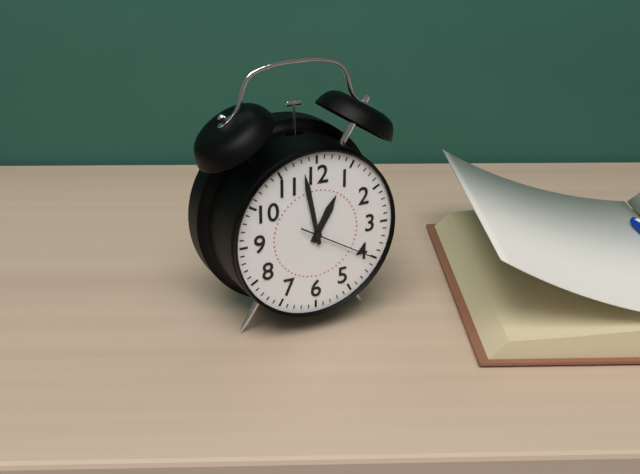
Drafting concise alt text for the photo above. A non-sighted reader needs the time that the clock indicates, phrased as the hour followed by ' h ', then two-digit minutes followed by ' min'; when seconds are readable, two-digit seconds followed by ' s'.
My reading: 12 h 58 min 20 s
